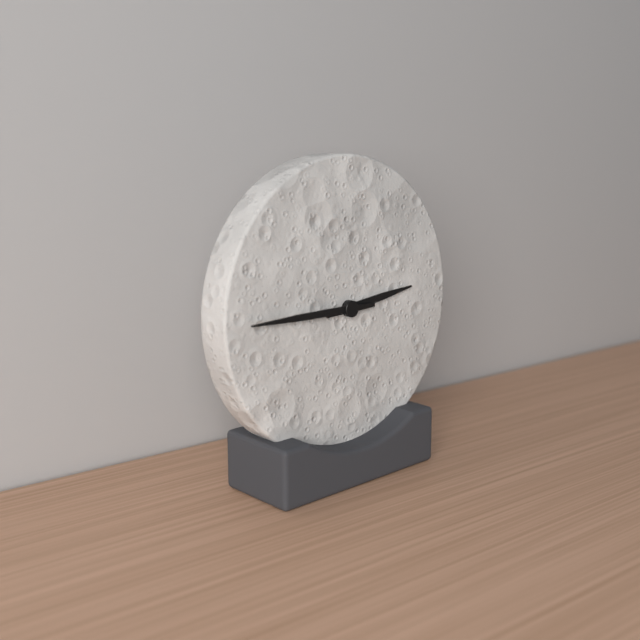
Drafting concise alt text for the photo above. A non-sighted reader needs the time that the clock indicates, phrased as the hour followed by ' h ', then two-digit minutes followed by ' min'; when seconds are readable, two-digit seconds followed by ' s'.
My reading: 2 h 45 min
